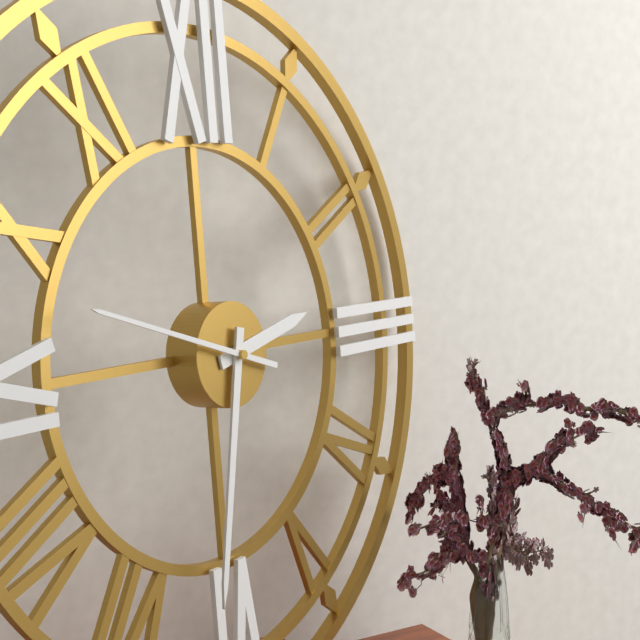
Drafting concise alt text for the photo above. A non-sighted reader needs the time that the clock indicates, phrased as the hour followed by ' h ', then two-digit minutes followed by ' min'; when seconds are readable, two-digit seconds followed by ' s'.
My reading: 2 h 32 min 48 s
